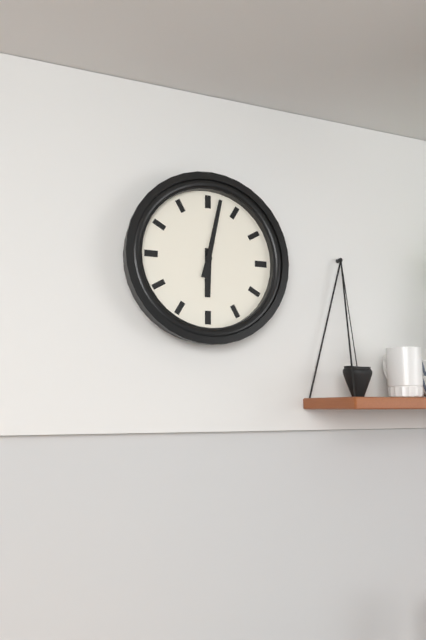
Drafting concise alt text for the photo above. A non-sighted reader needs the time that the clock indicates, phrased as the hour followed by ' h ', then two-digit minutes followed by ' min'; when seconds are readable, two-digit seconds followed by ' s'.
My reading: 6 h 02 min
